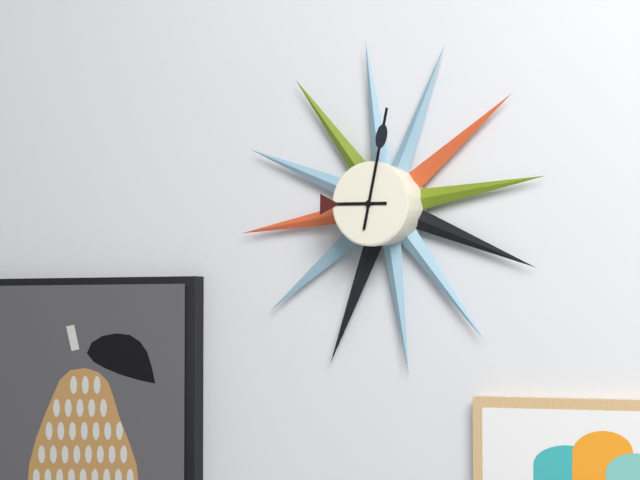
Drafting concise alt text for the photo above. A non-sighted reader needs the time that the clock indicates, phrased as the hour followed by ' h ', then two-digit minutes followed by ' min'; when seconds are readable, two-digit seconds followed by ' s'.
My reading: 9 h 02 min
